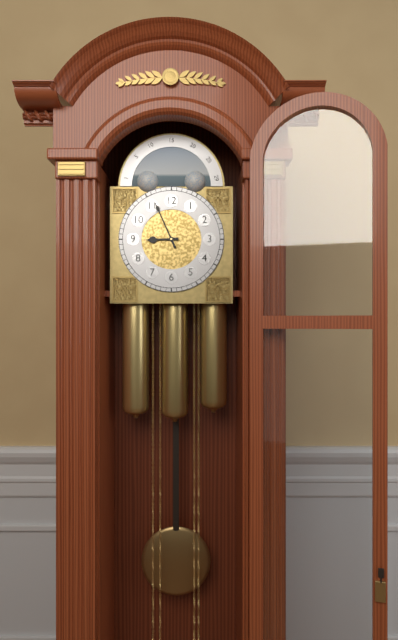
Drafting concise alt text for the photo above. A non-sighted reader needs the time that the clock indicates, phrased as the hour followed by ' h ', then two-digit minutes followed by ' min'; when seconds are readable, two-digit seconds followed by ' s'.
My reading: 8 h 56 min
